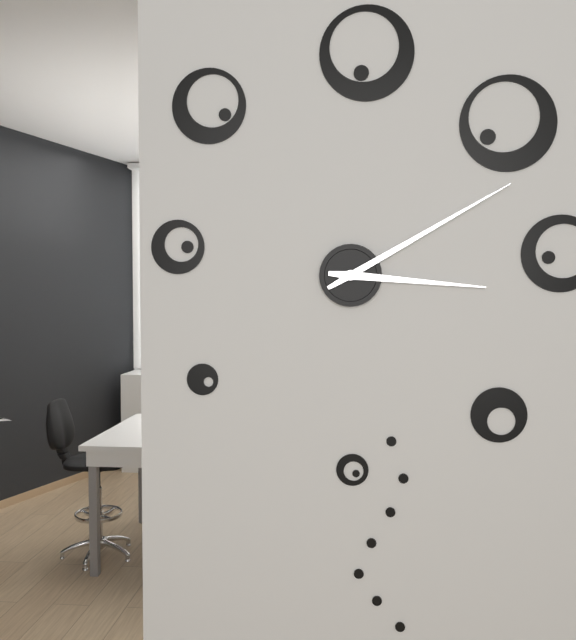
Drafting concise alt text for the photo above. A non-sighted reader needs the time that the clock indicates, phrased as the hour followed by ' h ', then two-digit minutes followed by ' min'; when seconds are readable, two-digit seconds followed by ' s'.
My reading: 3 h 10 min
